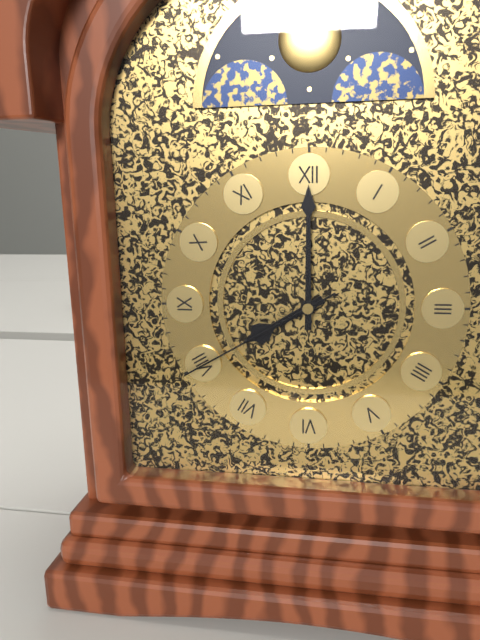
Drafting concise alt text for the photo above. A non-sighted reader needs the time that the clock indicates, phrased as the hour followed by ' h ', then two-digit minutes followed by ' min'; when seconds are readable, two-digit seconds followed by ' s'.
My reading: 8 h 00 min 40 s
